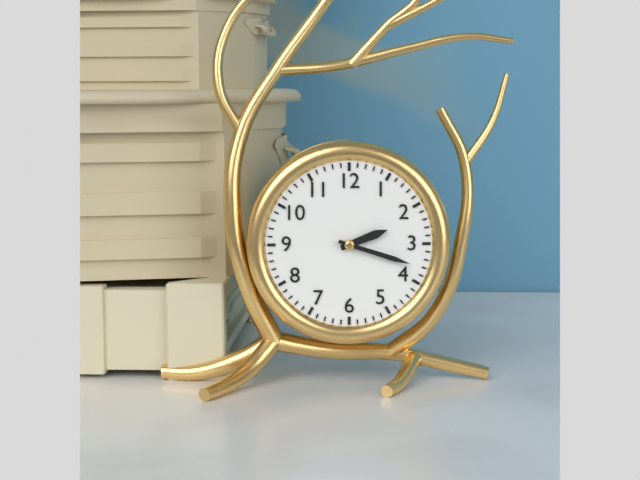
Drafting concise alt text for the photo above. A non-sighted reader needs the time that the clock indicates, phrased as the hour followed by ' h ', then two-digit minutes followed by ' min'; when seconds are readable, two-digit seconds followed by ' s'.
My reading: 2 h 18 min
